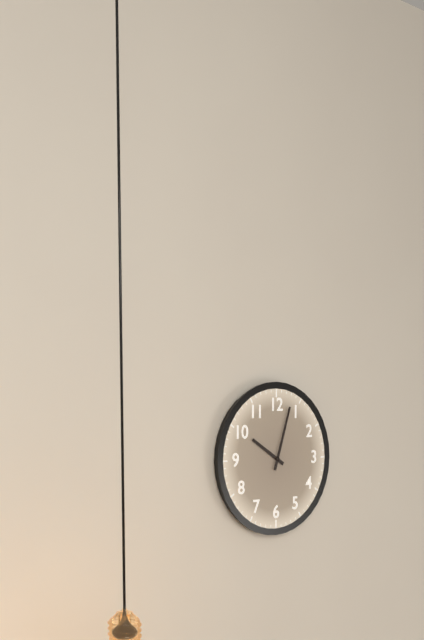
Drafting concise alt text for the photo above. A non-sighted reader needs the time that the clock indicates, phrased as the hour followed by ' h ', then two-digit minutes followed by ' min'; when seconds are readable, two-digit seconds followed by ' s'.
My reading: 10 h 03 min
